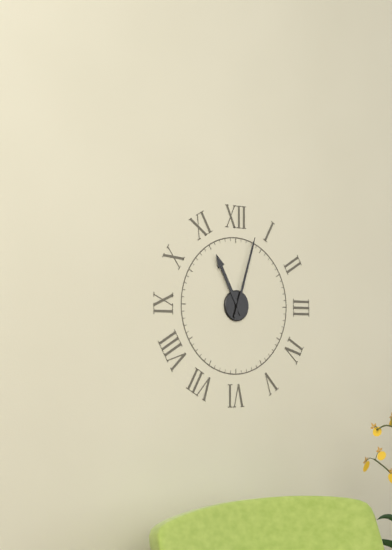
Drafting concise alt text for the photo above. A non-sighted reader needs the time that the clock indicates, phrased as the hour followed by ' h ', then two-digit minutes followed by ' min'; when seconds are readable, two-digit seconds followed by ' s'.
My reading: 11 h 03 min
